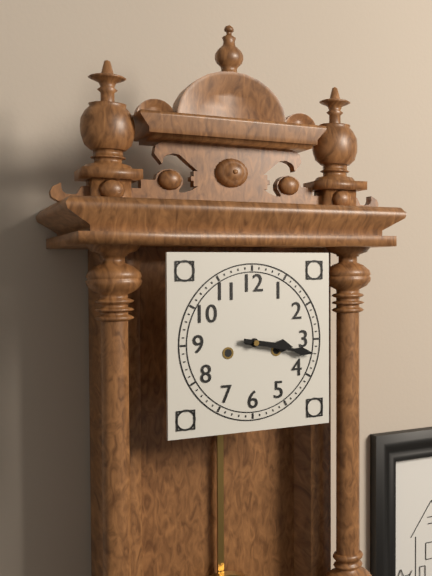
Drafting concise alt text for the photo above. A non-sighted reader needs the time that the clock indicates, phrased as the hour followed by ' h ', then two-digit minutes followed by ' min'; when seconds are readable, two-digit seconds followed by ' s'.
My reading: 3 h 17 min
